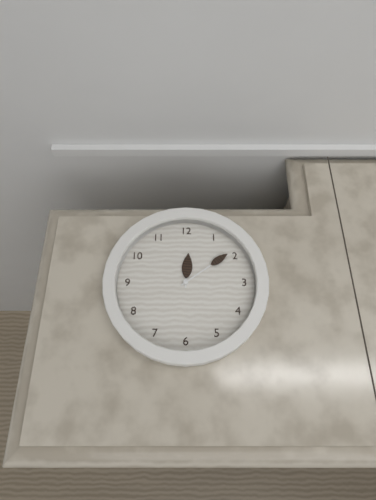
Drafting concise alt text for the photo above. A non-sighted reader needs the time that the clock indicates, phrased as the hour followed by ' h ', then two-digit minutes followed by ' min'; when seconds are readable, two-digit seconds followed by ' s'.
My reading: 12 h 09 min
